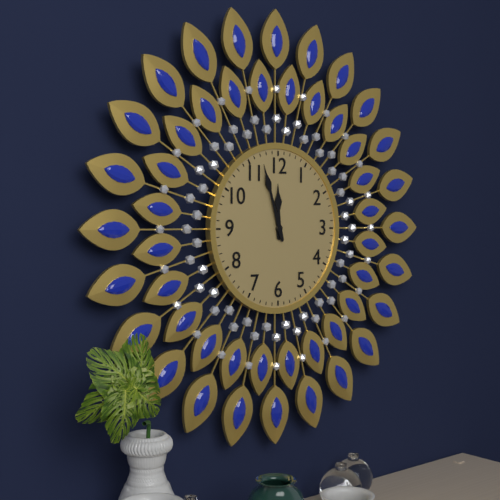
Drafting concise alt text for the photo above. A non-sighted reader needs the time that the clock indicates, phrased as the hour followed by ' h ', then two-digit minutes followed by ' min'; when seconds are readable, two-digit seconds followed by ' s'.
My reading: 11 h 57 min
